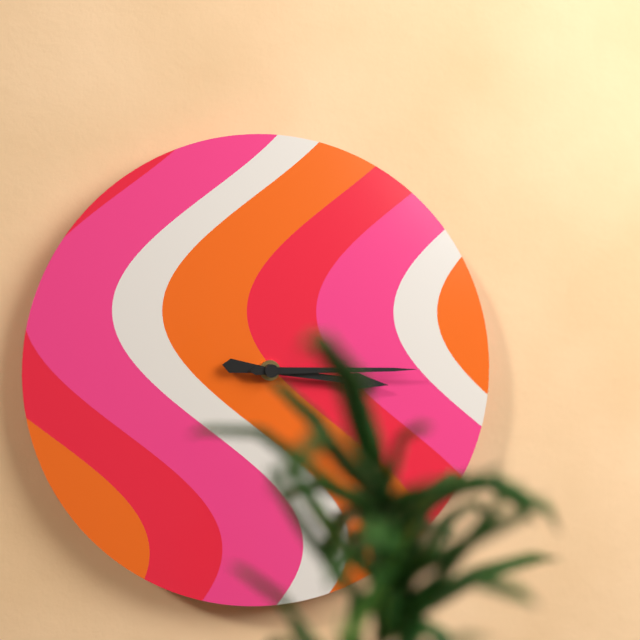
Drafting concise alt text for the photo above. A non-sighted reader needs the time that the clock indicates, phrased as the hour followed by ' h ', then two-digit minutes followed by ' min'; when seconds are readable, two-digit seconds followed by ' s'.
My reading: 3 h 15 min
